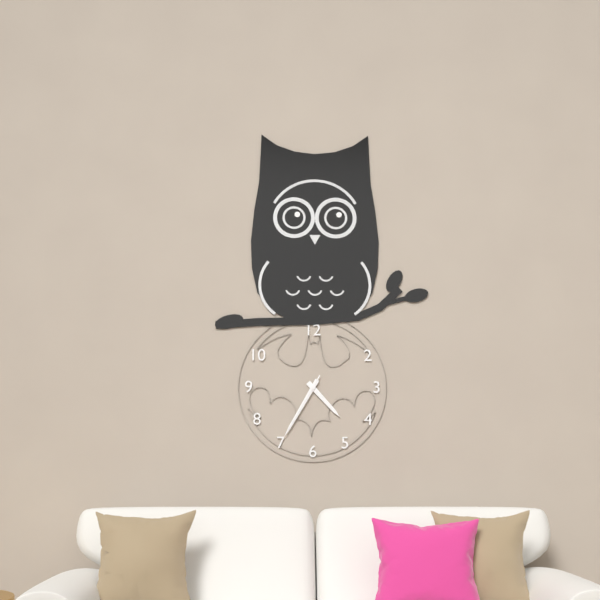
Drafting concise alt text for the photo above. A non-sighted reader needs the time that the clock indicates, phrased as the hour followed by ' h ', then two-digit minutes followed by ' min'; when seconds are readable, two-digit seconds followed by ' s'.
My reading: 4 h 35 min 35 s
